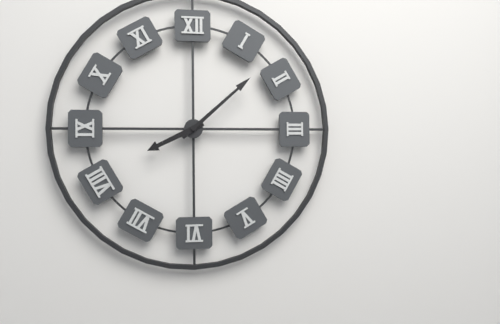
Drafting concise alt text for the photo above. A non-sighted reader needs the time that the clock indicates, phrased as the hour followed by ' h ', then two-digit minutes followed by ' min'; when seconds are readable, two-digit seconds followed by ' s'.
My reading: 8 h 08 min
